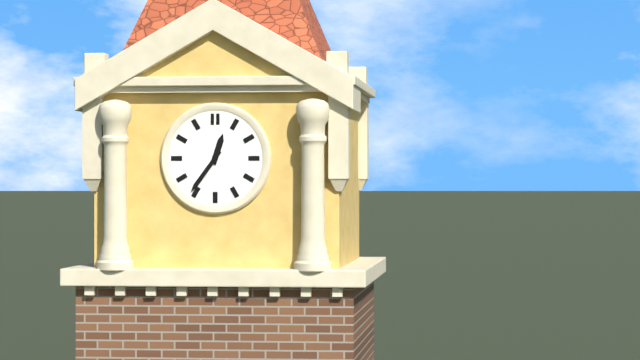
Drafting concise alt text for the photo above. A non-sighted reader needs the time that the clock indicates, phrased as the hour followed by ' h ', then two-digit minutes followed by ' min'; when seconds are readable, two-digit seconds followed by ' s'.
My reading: 12 h 36 min
